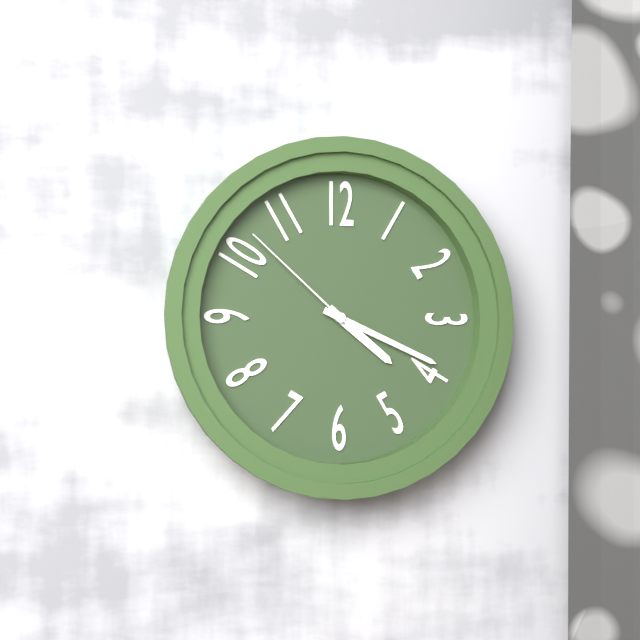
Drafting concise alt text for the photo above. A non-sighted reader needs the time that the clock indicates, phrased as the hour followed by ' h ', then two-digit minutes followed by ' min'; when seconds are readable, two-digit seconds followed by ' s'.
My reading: 4 h 19 min 52 s
